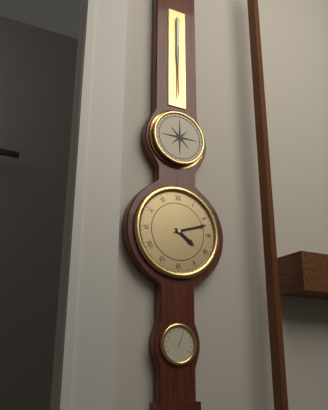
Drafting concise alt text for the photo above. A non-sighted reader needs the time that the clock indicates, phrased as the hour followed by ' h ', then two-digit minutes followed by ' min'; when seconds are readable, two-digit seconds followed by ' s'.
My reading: 4 h 12 min
